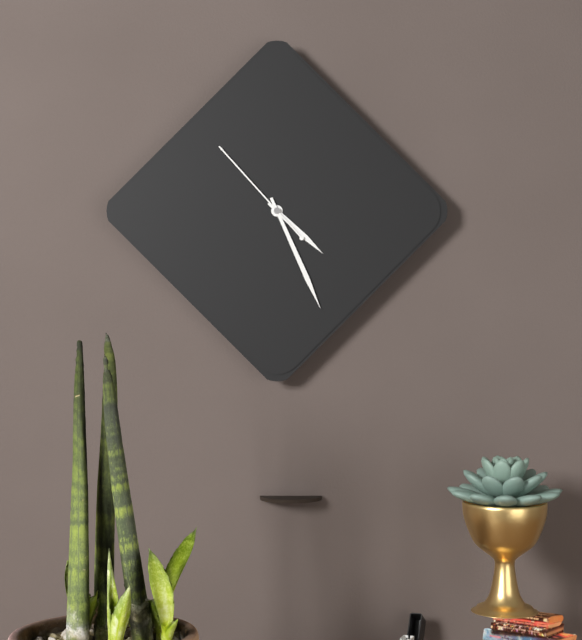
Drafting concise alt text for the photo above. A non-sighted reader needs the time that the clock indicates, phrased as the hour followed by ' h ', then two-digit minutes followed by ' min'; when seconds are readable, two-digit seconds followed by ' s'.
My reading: 4 h 26 min 53 s
